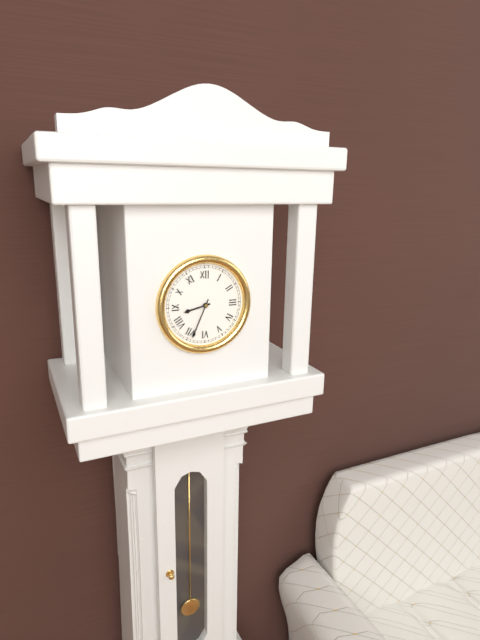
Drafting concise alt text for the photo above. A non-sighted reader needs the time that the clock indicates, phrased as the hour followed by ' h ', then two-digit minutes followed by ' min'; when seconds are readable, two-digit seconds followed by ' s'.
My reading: 8 h 34 min
